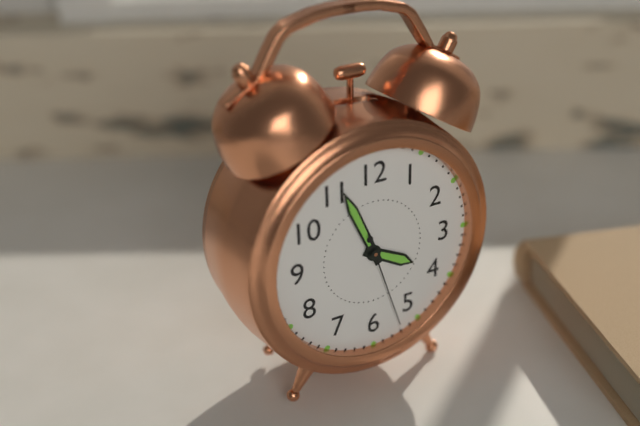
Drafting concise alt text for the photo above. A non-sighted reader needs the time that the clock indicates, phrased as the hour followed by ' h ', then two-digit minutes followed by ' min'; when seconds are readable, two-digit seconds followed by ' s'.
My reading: 3 h 56 min 27 s
